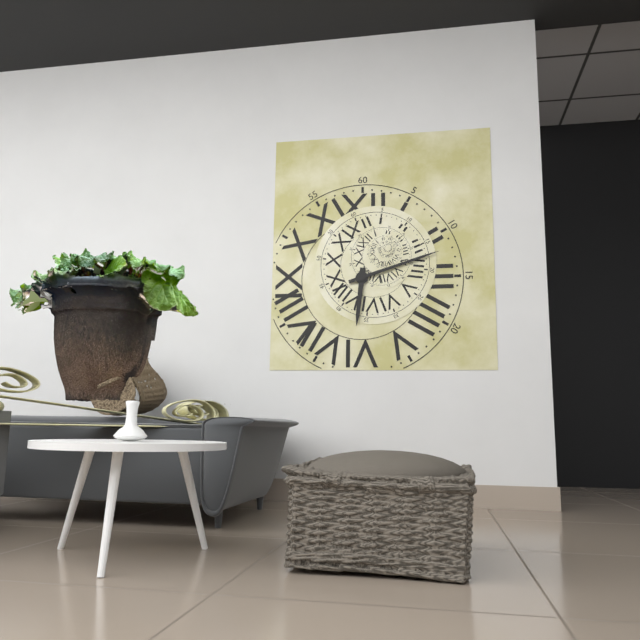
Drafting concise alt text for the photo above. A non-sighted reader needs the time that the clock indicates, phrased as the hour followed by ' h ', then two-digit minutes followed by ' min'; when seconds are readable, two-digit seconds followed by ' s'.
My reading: 6 h 12 min
